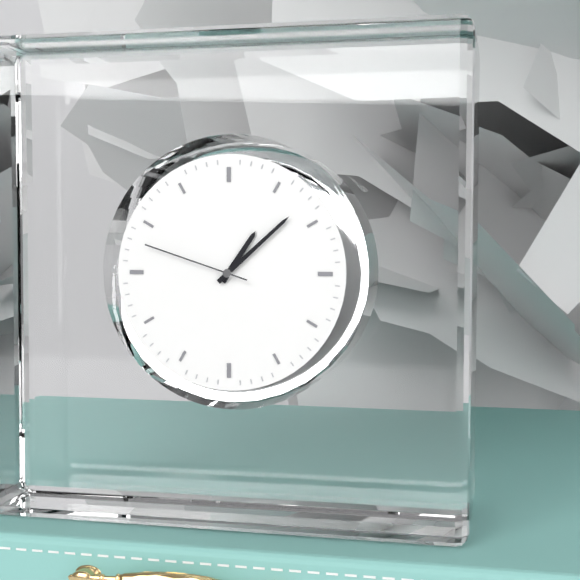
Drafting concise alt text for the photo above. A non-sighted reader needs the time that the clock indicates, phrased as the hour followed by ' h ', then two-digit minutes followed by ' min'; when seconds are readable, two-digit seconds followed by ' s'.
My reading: 1 h 08 min 48 s
